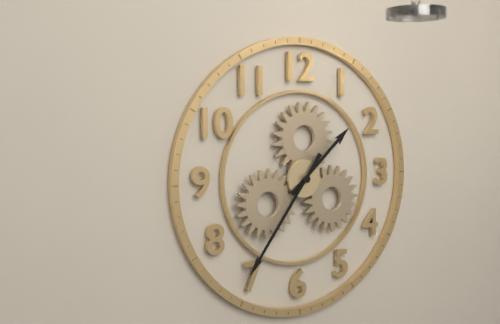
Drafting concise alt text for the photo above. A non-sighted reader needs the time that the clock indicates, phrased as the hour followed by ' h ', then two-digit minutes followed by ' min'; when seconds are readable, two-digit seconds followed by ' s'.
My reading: 1 h 36 min
